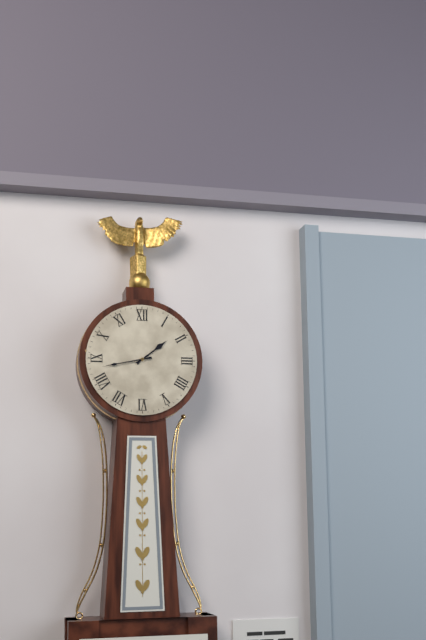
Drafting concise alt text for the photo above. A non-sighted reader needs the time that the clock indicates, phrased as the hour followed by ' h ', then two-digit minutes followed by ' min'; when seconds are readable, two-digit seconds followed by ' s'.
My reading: 1 h 43 min
